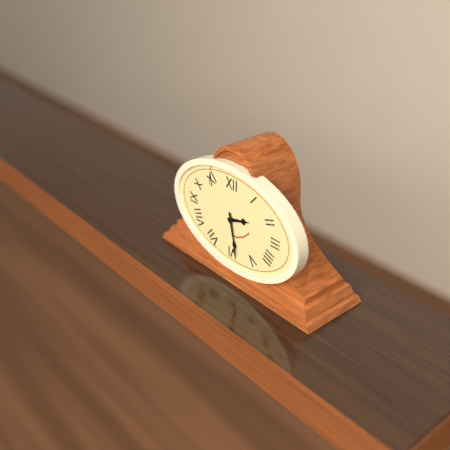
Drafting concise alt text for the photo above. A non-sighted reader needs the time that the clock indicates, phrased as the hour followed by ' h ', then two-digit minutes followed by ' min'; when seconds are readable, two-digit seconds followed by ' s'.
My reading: 2 h 28 min
